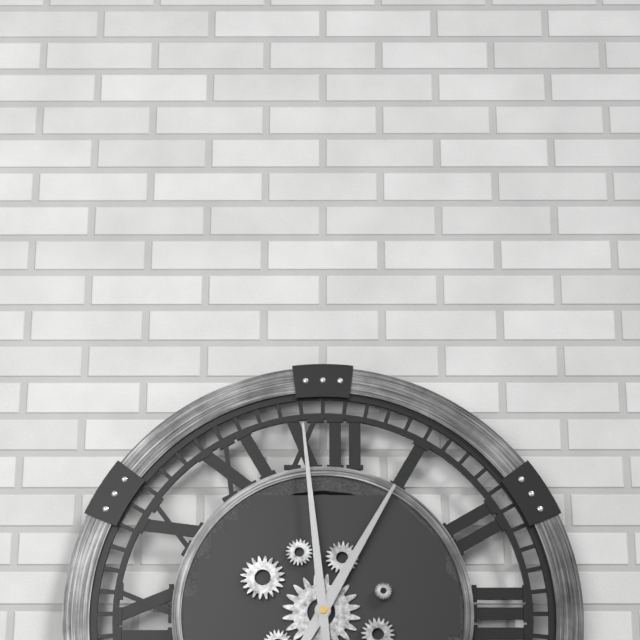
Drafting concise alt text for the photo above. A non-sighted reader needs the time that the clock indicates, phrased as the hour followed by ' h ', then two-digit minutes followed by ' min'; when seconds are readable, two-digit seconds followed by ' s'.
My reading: 12 h 59 min
